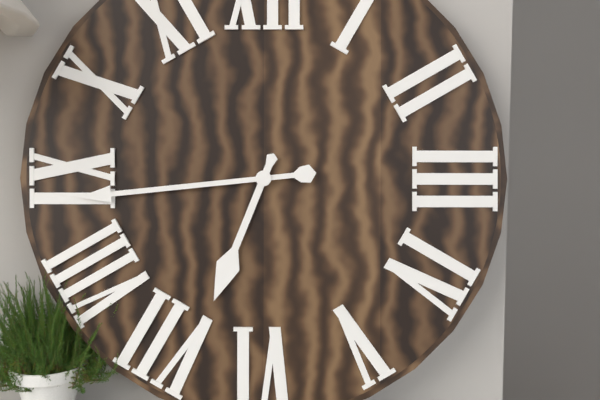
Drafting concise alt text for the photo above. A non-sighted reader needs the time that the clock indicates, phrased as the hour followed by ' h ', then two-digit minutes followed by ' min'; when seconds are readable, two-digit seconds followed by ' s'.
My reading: 6 h 44 min
